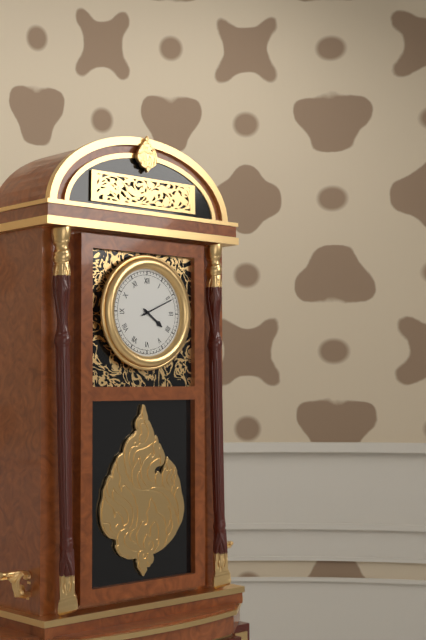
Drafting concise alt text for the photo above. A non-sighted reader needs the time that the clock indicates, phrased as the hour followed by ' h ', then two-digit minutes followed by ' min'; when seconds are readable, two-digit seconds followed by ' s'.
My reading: 4 h 11 min
